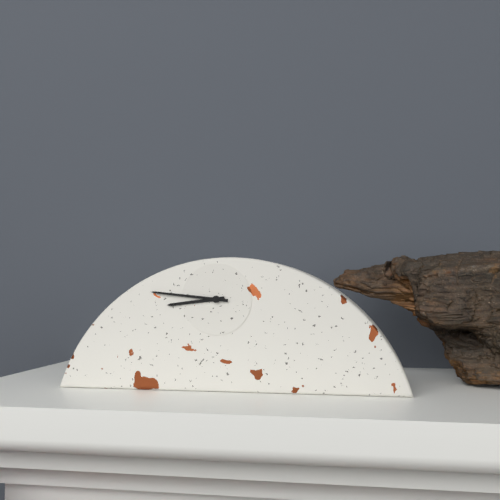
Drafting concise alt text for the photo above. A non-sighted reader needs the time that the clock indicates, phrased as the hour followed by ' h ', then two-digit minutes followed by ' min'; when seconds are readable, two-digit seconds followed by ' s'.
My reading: 8 h 46 min
